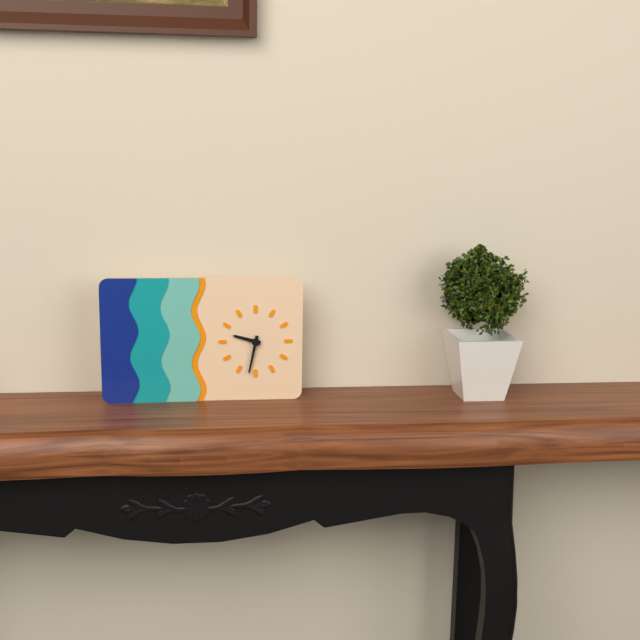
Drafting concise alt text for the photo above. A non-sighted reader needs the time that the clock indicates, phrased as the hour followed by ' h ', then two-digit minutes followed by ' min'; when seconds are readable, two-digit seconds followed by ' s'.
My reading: 9 h 32 min
